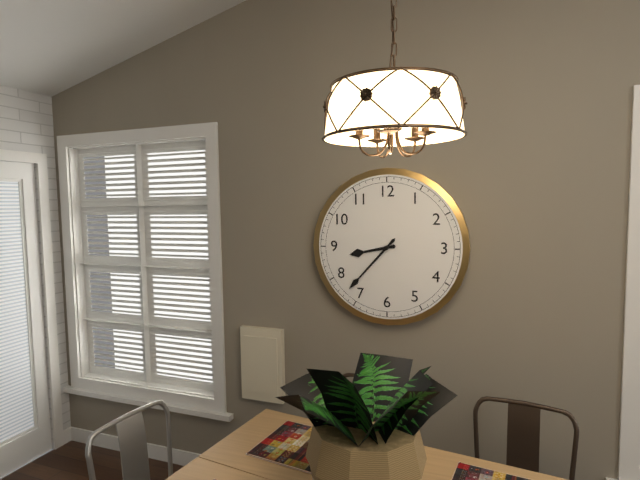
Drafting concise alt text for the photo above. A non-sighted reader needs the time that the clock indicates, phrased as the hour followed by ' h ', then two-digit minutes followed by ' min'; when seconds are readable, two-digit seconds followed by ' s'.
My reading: 8 h 37 min
